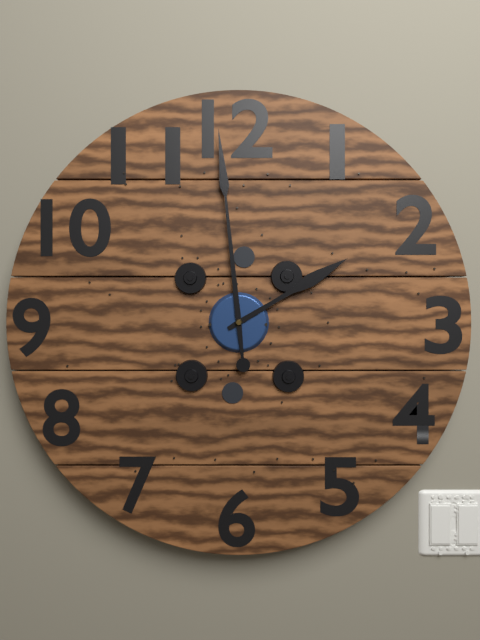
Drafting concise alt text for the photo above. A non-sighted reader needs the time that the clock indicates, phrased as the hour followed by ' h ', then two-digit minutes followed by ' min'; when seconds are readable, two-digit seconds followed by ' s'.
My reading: 1 h 59 min
